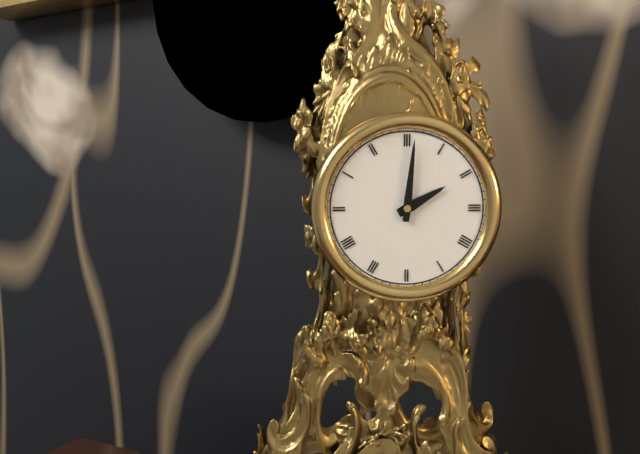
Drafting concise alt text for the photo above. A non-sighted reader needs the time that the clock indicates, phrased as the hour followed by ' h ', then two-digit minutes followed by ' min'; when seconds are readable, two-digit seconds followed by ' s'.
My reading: 2 h 01 min
